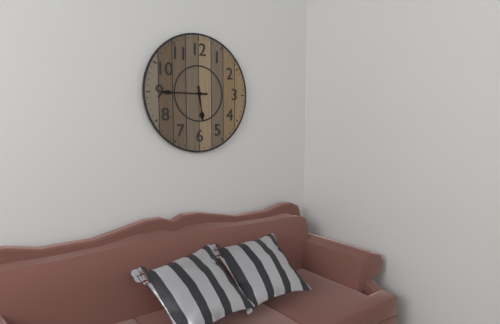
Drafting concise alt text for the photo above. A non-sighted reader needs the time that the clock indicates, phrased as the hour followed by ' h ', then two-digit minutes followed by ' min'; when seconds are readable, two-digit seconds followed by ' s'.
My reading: 5 h 45 min
